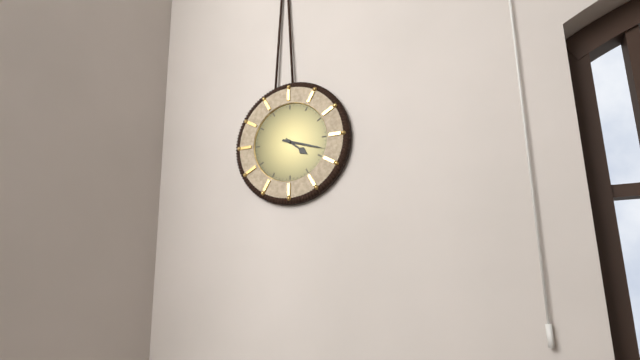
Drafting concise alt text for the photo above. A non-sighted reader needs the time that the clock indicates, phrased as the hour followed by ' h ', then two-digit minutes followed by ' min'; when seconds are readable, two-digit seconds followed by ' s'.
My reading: 4 h 18 min
